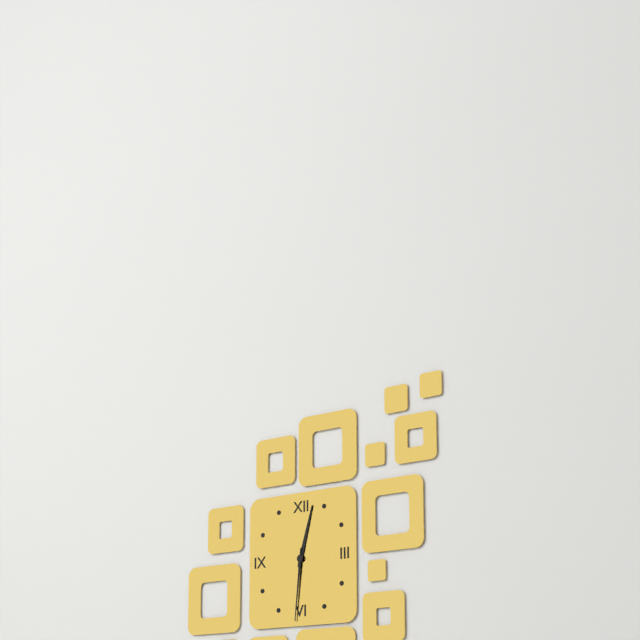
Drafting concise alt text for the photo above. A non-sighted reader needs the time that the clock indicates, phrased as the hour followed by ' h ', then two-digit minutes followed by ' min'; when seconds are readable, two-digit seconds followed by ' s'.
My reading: 12 h 31 min
